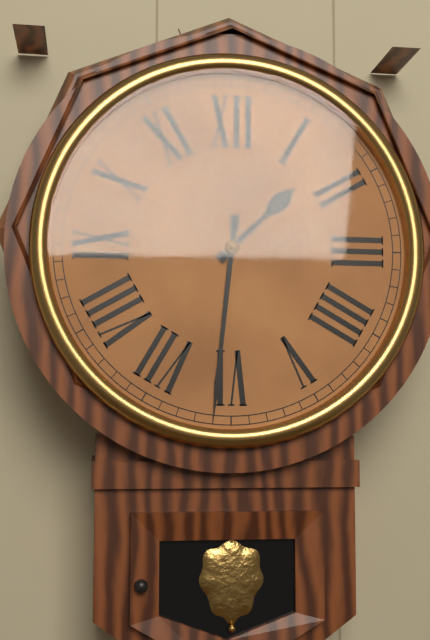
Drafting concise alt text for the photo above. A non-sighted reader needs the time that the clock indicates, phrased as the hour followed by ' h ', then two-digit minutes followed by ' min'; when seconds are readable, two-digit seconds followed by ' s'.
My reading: 1 h 31 min
